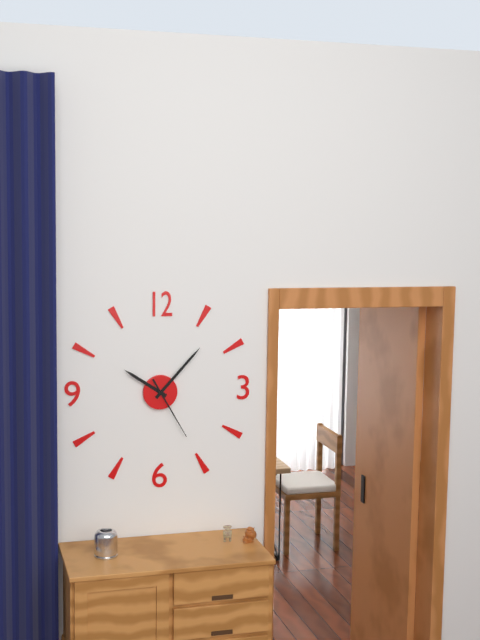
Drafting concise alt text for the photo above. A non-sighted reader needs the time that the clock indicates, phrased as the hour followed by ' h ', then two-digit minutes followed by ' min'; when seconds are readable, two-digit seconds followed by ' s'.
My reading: 10 h 07 min 25 s
